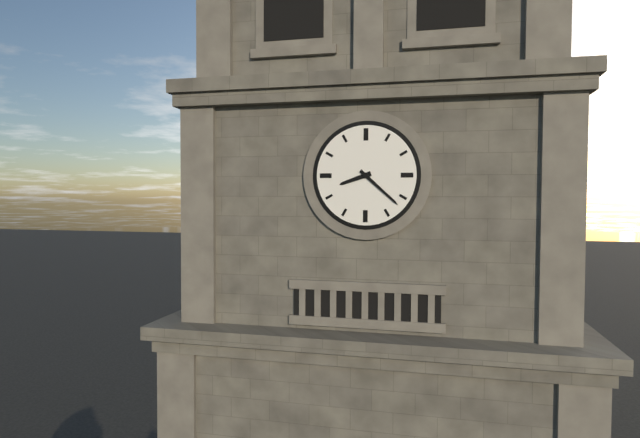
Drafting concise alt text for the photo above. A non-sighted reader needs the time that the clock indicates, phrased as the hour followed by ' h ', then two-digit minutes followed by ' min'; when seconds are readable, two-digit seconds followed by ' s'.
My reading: 8 h 22 min
